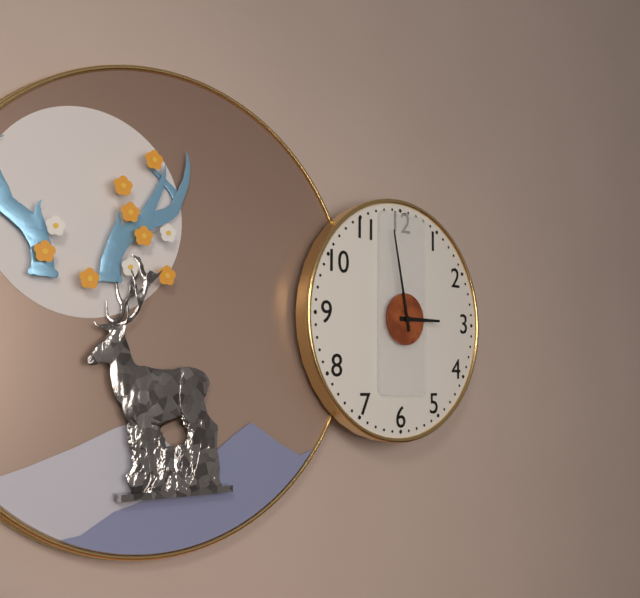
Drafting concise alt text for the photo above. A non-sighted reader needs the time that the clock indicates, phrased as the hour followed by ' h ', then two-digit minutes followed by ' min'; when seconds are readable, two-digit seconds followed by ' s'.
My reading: 2 h 58 min
